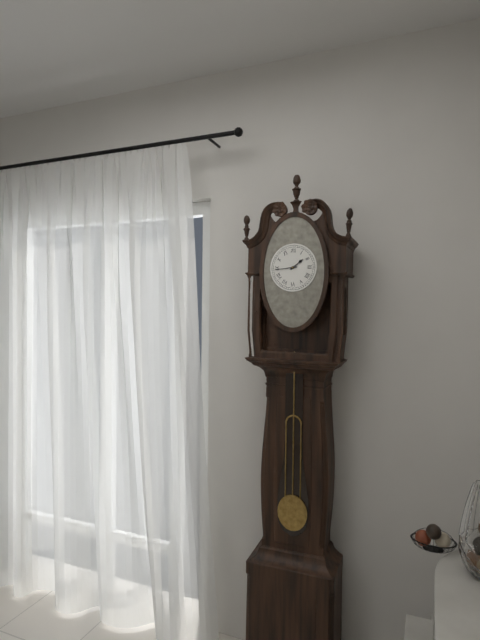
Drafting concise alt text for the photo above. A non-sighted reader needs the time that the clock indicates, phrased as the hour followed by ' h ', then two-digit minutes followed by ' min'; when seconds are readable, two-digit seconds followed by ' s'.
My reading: 1 h 44 min
